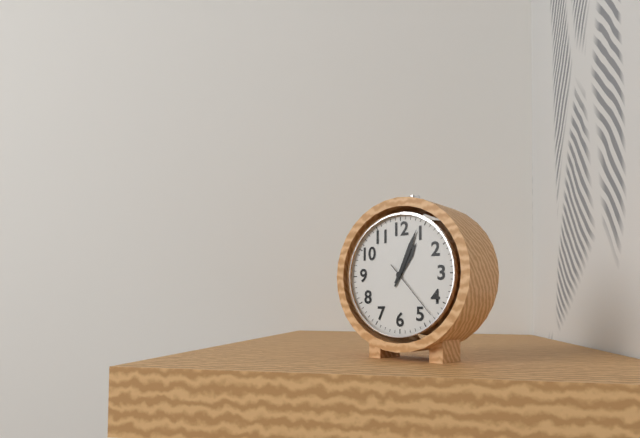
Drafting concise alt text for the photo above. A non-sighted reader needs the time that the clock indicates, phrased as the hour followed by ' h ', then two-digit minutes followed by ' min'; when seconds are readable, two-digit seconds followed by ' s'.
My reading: 1 h 04 min 23 s
